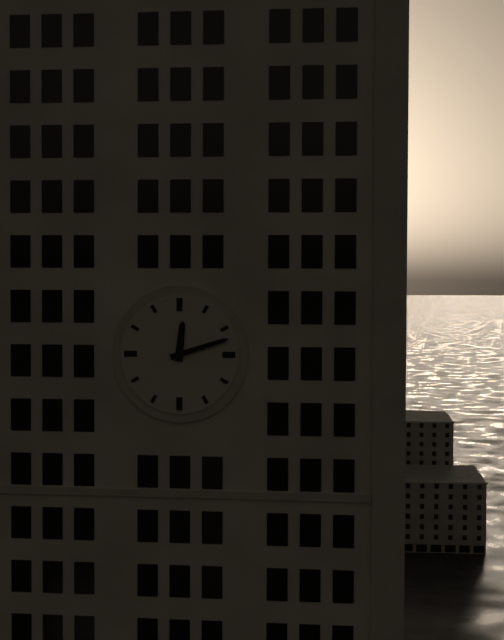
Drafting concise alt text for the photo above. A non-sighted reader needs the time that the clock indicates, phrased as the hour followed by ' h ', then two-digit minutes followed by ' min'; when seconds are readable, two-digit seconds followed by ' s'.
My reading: 12 h 12 min
